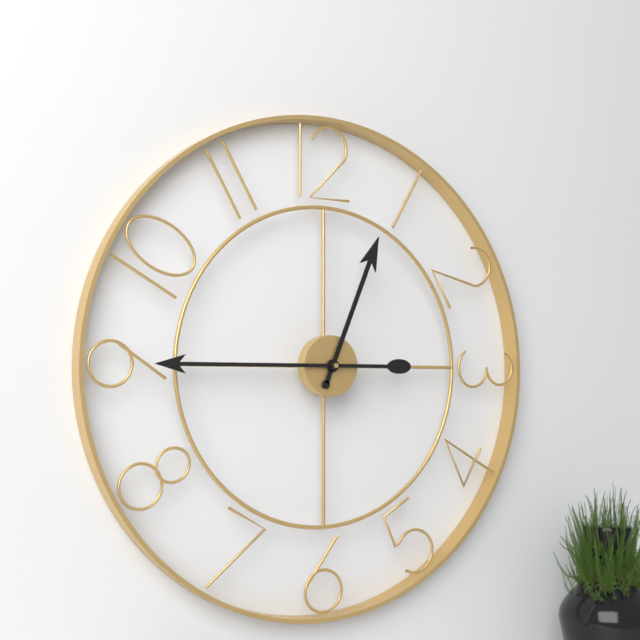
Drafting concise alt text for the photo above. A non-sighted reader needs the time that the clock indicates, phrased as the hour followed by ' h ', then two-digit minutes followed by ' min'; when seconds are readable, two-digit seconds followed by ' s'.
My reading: 12 h 45 min
